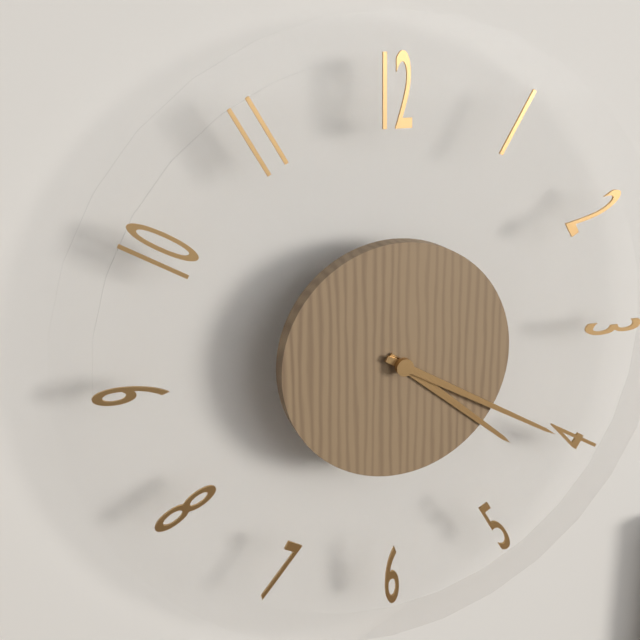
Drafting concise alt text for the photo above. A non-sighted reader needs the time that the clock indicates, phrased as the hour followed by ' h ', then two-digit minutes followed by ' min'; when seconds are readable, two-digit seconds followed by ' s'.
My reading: 4 h 20 min
